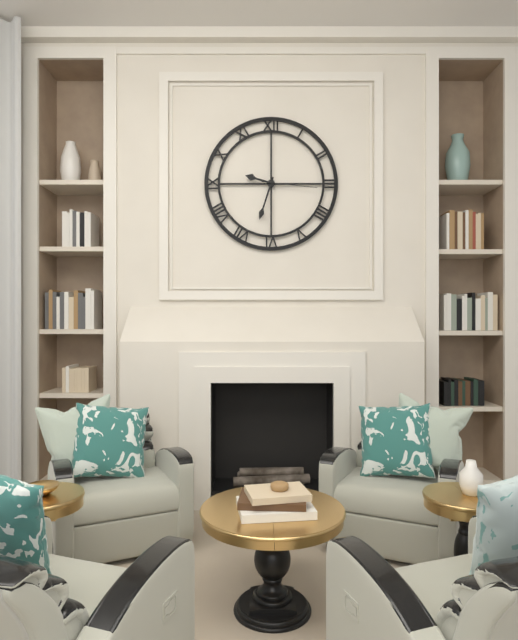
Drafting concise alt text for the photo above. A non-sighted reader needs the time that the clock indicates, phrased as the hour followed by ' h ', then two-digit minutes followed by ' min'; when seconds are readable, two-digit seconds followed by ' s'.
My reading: 9 h 33 min 16 s
